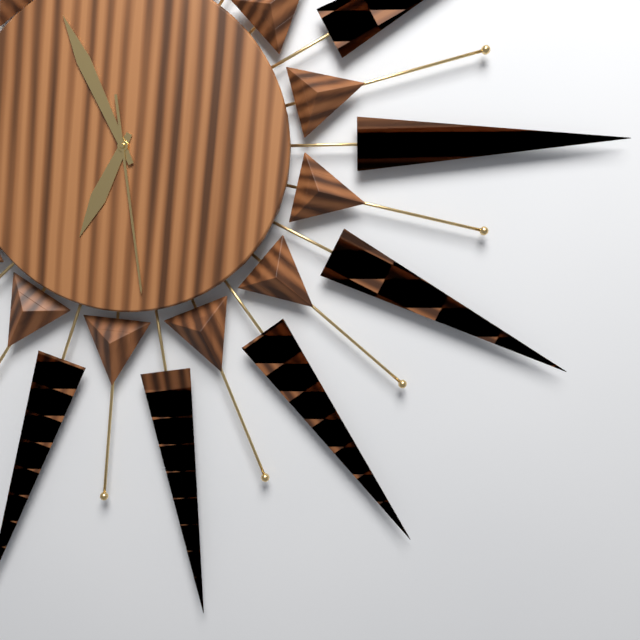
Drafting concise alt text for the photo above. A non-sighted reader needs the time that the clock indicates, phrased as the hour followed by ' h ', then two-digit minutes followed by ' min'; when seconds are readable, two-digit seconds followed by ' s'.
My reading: 6 h 56 min 29 s
